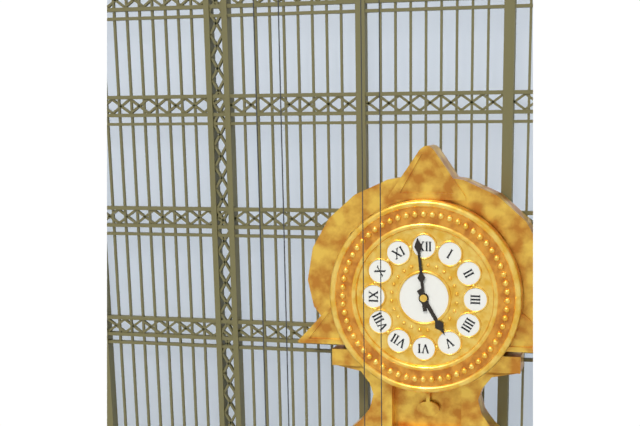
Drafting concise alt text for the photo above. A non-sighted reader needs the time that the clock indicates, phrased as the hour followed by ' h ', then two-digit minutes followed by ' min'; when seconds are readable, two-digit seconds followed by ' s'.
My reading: 4 h 59 min
